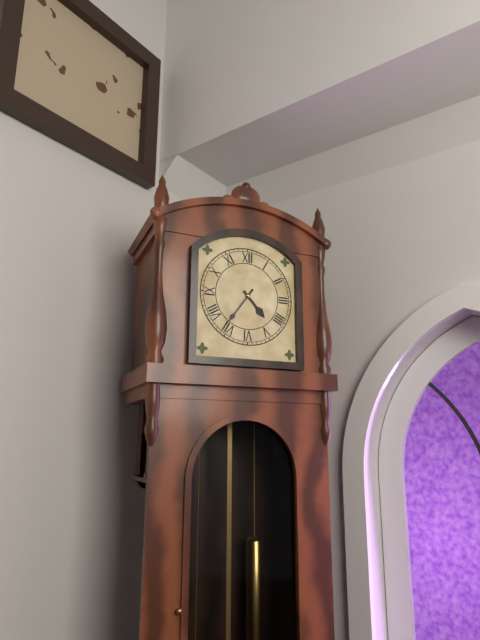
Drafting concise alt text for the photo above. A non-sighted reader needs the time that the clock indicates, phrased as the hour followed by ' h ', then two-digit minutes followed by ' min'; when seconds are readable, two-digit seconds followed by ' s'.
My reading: 4 h 36 min
